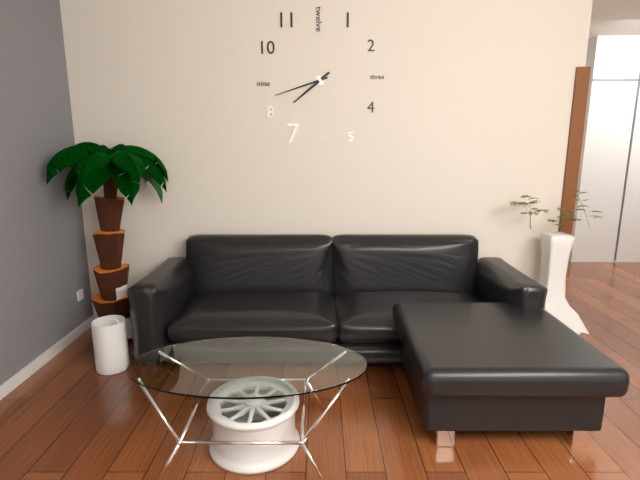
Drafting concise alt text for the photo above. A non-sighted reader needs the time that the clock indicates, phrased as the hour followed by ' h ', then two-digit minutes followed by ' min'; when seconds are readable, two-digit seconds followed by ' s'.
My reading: 7 h 42 min
